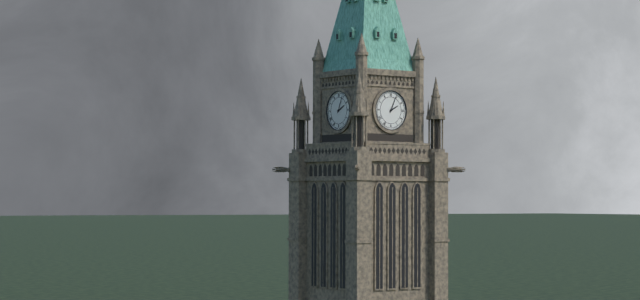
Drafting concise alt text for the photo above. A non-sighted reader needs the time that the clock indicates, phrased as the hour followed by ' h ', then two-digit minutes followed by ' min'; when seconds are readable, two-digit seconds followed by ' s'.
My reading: 2 h 04 min
